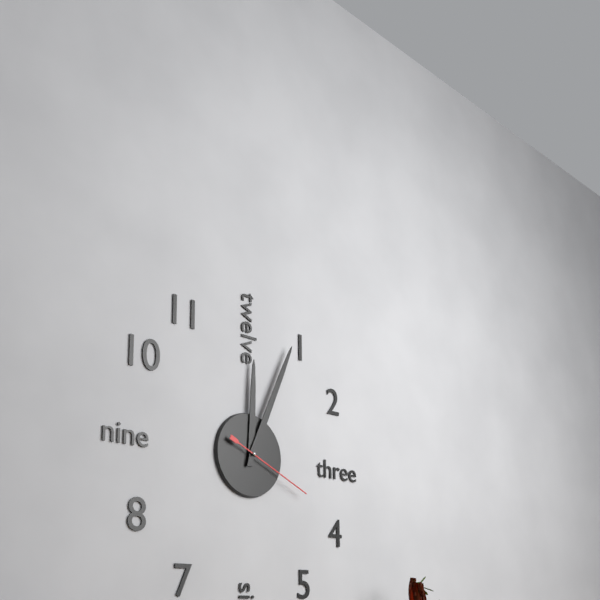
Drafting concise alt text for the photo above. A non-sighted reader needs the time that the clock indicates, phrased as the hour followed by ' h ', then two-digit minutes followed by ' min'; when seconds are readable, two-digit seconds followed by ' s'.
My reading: 12 h 04 min 19 s
